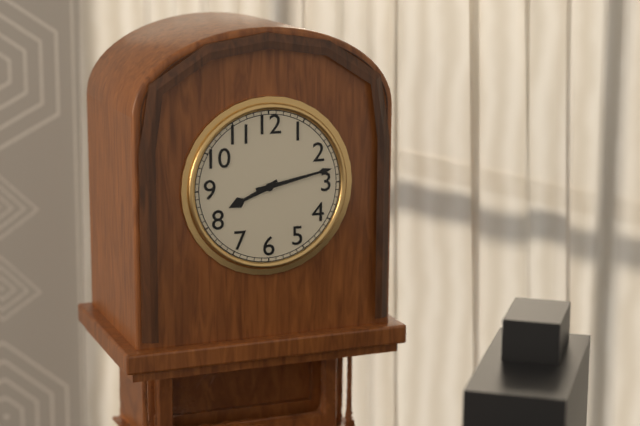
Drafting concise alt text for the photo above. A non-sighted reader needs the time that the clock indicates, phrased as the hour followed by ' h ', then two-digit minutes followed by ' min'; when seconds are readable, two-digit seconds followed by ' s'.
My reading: 8 h 13 min
